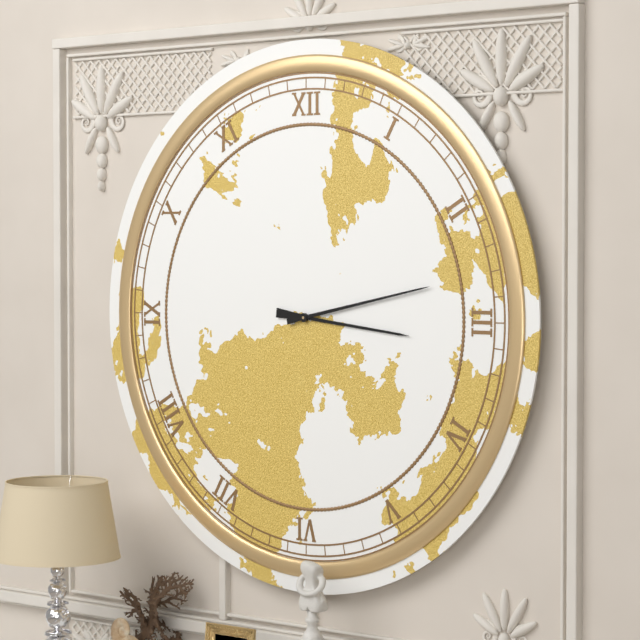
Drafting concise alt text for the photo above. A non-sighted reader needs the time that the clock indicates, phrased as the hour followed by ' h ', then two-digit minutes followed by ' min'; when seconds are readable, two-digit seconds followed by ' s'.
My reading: 3 h 13 min
